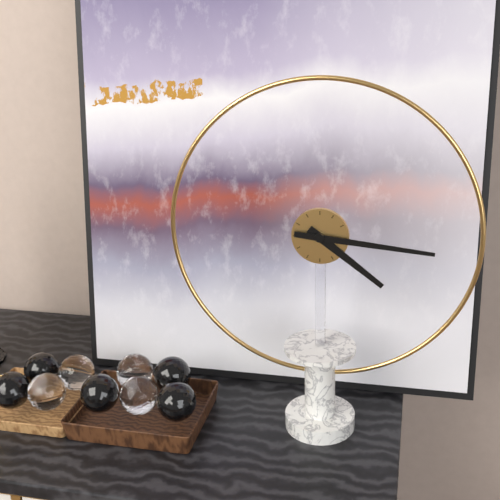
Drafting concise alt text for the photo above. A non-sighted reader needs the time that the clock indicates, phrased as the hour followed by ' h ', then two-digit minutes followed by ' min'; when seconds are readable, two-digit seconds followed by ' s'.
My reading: 4 h 16 min
